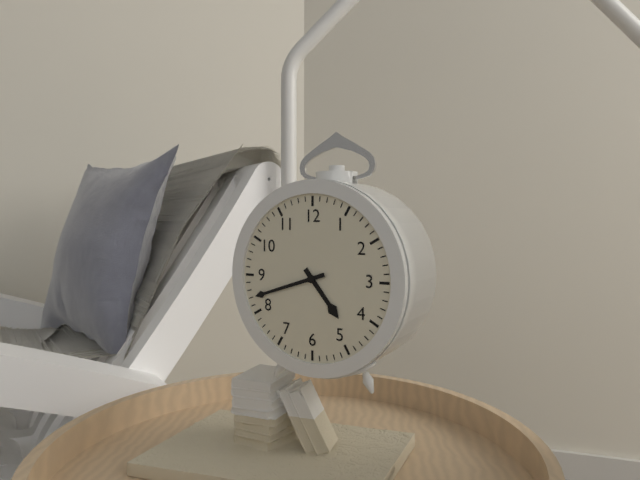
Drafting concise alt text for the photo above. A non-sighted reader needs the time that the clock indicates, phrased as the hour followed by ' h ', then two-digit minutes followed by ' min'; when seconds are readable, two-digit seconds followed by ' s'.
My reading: 4 h 42 min
